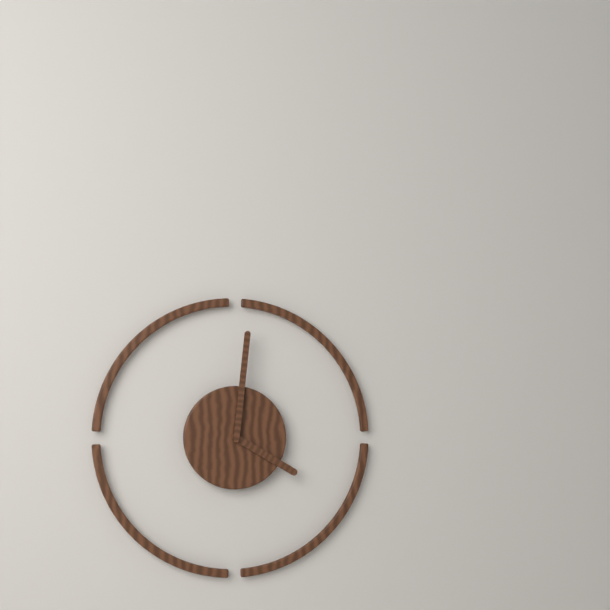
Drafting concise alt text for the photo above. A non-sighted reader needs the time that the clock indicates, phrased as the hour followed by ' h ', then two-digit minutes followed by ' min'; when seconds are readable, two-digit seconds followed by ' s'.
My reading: 4 h 01 min
